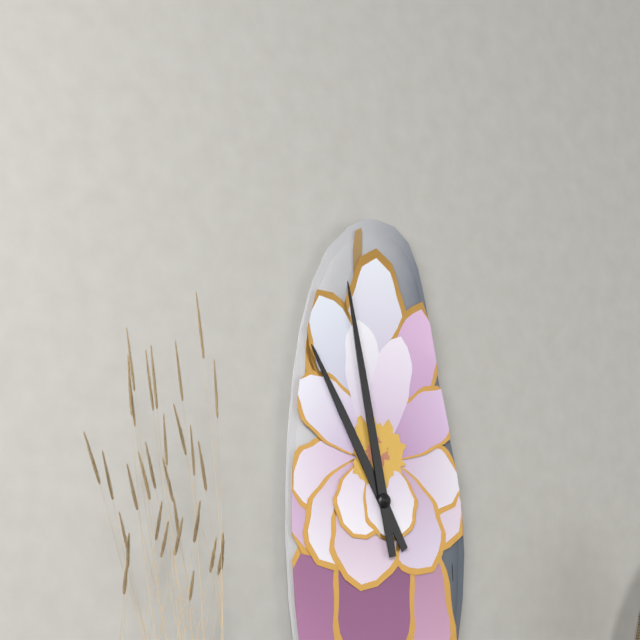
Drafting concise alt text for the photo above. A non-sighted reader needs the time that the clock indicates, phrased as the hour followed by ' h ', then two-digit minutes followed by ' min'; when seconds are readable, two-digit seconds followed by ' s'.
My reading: 10 h 58 min
